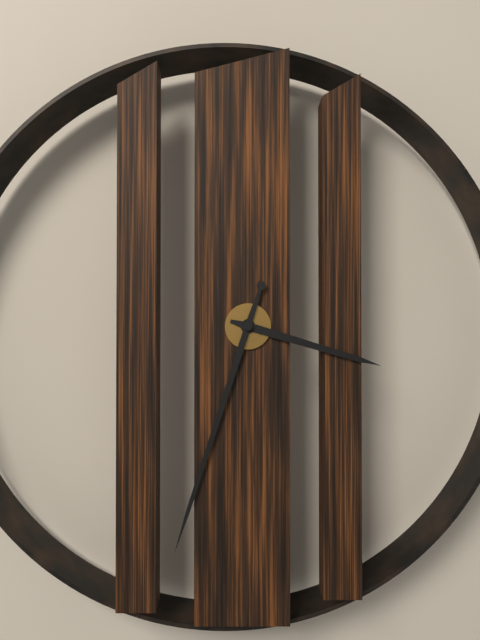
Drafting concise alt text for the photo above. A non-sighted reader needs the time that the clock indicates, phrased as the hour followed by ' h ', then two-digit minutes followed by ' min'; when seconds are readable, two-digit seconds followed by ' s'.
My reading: 3 h 33 min
